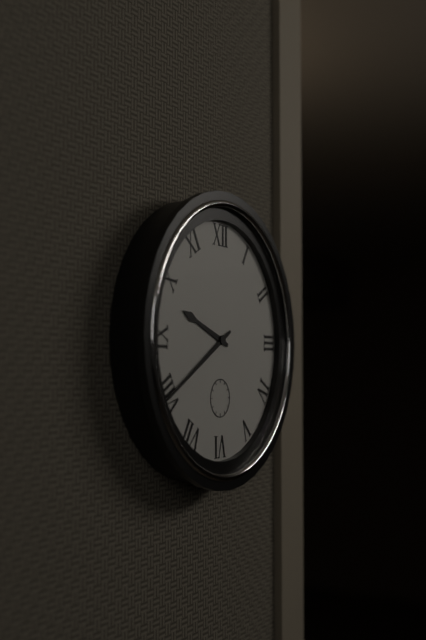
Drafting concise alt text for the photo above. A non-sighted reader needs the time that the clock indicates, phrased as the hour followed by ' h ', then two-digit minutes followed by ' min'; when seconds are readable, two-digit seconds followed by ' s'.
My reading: 9 h 40 min
